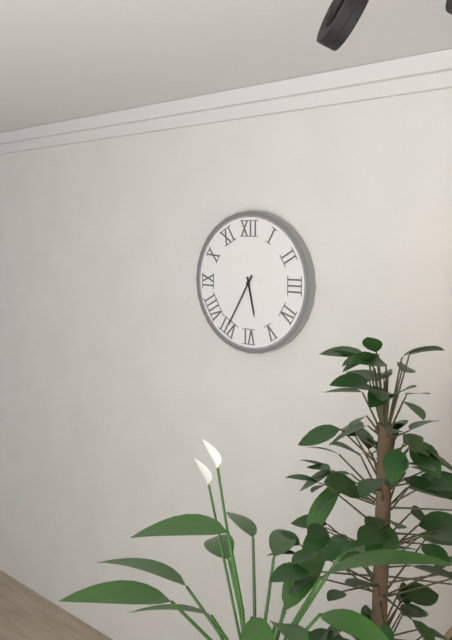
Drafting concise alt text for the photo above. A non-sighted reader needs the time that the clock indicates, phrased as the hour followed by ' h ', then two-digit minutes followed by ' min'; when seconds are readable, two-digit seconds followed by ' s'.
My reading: 5 h 35 min
